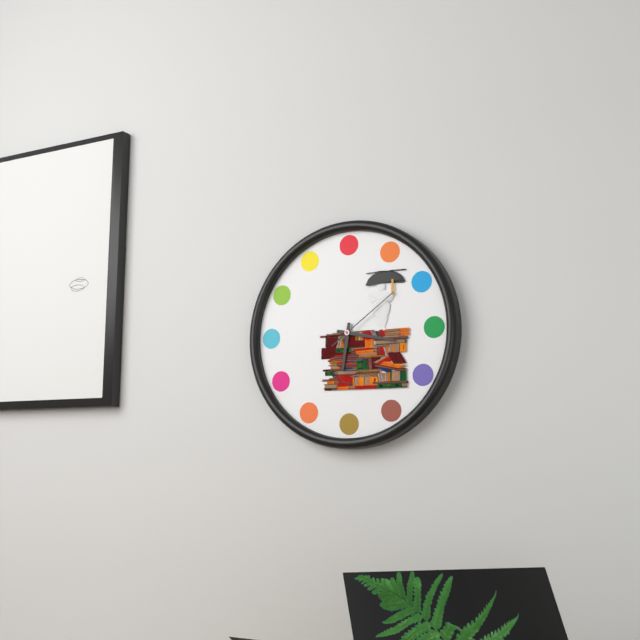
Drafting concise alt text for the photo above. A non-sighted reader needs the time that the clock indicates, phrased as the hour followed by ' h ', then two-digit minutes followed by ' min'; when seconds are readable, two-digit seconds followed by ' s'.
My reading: 6 h 17 min 09 s
